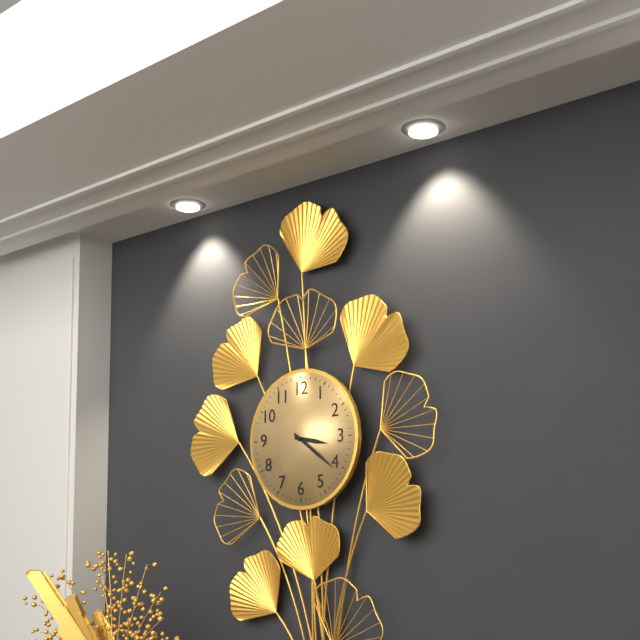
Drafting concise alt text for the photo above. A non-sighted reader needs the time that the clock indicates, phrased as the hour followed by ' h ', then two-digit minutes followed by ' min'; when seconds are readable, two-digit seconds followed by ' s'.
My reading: 3 h 21 min
